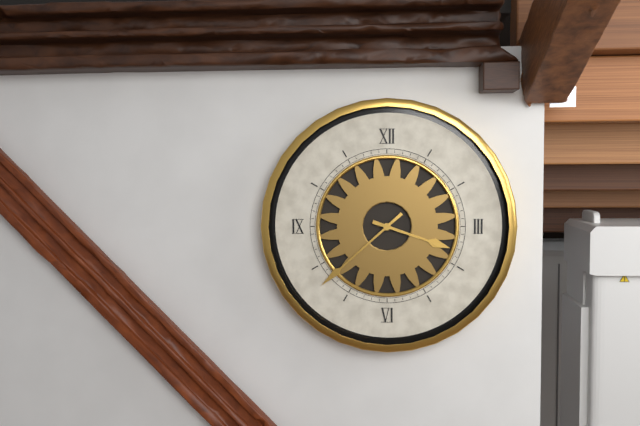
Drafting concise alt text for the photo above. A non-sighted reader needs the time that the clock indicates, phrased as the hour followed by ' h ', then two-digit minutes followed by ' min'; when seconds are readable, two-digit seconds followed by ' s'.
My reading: 3 h 38 min
